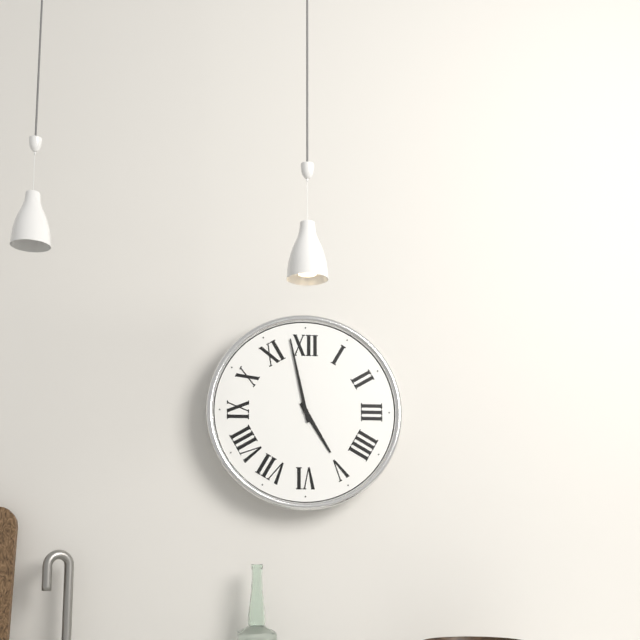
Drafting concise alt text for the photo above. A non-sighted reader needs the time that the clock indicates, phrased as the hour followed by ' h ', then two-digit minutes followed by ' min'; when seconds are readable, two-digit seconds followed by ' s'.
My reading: 4 h 58 min
